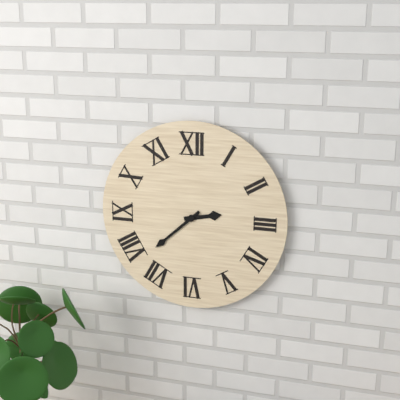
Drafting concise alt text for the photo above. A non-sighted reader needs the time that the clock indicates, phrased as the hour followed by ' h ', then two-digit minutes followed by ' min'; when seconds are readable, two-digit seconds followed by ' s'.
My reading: 2 h 38 min
